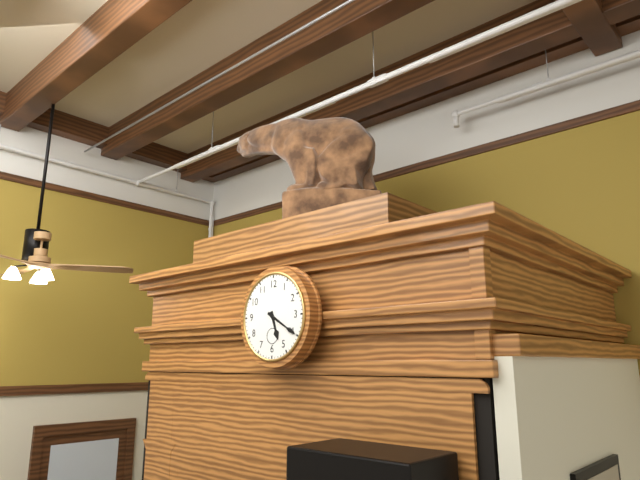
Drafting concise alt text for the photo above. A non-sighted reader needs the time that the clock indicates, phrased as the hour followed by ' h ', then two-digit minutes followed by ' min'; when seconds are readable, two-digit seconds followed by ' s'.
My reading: 5 h 20 min
